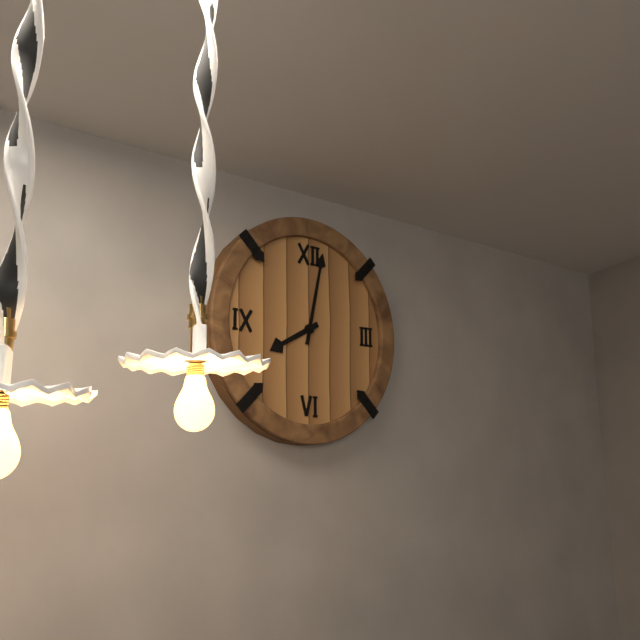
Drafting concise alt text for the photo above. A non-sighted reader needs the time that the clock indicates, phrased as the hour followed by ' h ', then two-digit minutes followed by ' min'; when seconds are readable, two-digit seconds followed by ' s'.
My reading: 8 h 02 min
